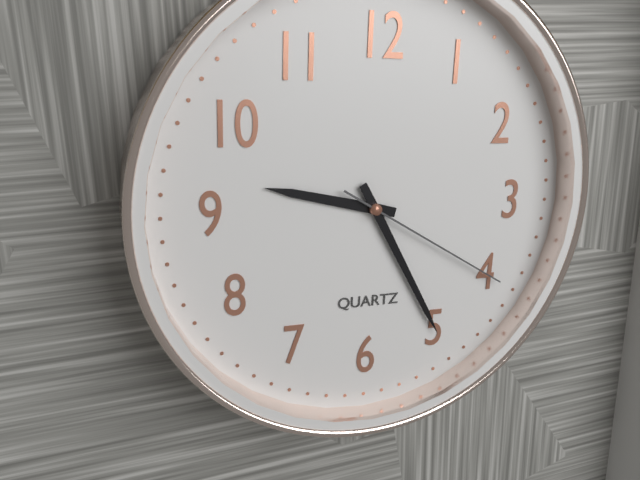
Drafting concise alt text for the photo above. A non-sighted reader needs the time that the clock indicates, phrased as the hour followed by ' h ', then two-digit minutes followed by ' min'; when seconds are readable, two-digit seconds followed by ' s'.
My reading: 9 h 25 min 20 s
